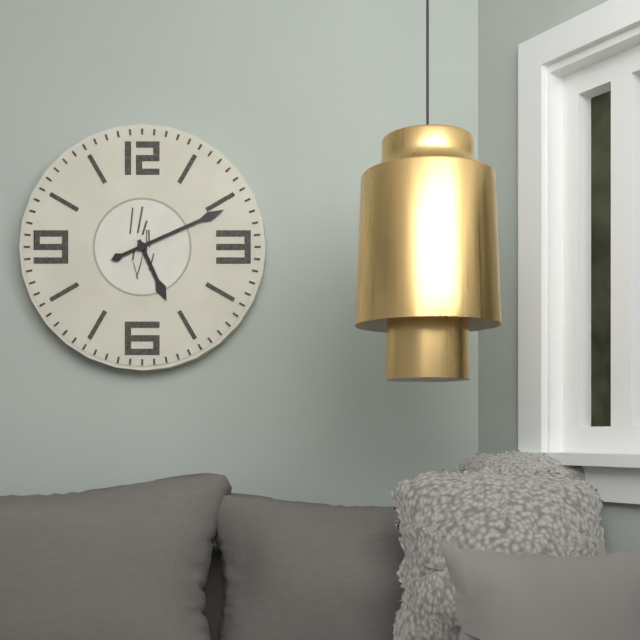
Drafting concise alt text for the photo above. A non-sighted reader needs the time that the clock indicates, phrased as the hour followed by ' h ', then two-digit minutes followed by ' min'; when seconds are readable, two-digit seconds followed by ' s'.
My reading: 5 h 11 min
